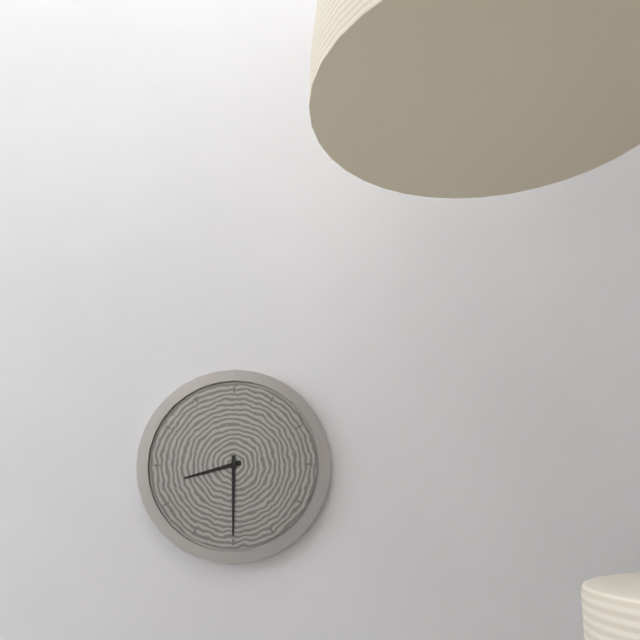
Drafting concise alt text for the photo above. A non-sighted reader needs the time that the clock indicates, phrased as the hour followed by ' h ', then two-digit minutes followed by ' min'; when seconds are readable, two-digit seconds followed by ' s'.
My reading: 8 h 30 min
